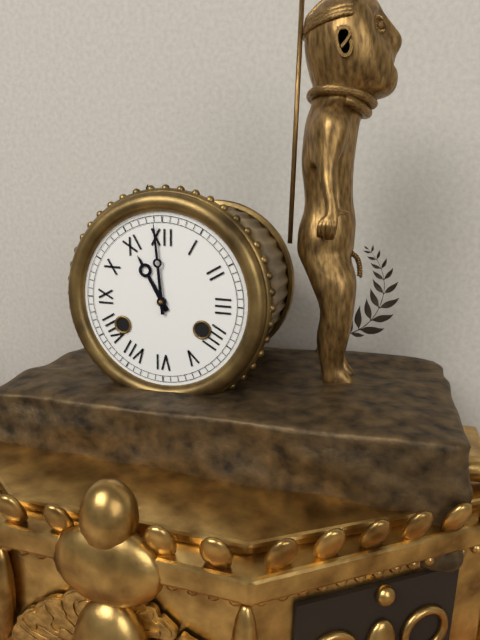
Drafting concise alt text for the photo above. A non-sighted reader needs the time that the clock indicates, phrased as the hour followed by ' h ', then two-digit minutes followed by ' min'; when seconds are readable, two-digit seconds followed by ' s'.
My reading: 10 h 59 min
